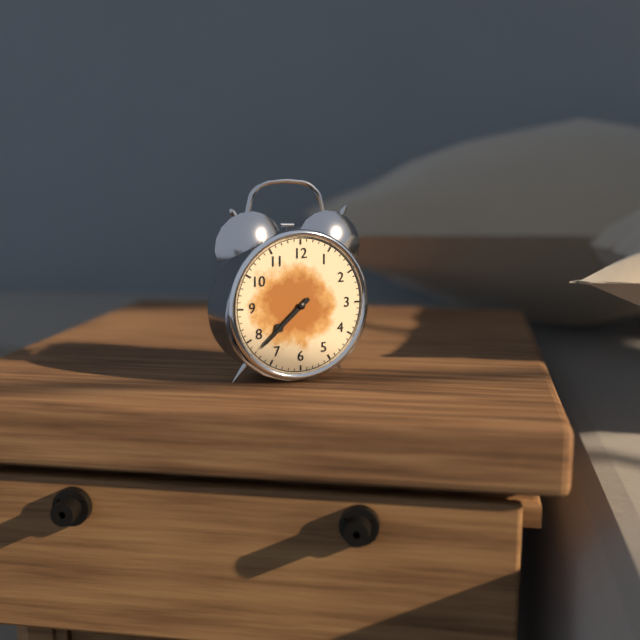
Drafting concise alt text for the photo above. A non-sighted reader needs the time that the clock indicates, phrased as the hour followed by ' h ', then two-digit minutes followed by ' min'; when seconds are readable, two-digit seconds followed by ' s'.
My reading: 7 h 38 min
